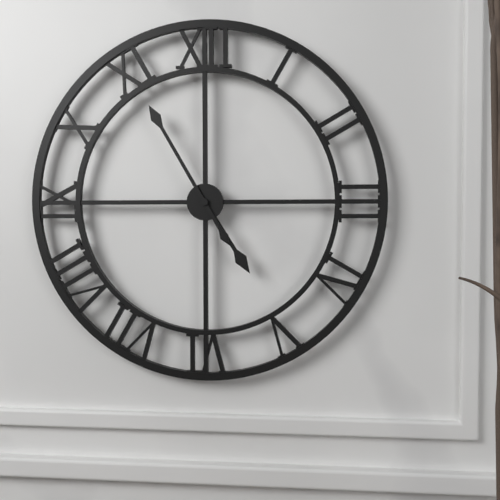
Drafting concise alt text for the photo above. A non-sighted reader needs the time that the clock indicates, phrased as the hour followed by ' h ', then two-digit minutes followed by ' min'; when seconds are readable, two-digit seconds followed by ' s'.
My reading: 4 h 55 min
